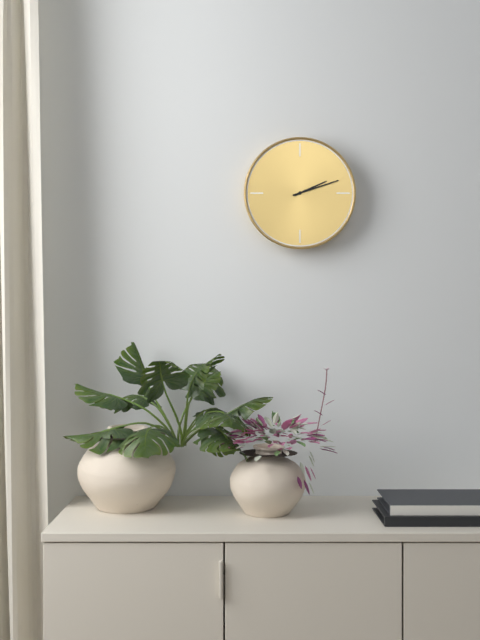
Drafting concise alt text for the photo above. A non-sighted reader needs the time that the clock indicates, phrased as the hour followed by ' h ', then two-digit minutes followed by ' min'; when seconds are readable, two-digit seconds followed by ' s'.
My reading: 2 h 12 min
